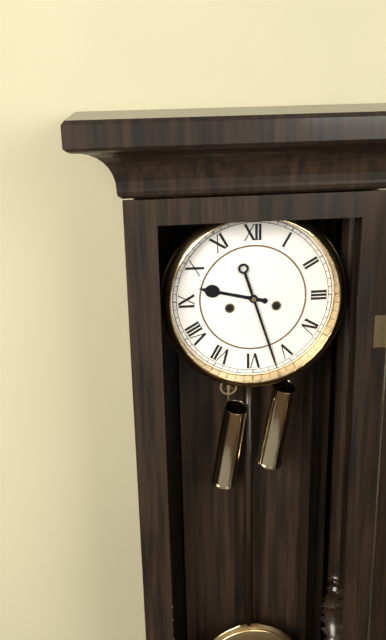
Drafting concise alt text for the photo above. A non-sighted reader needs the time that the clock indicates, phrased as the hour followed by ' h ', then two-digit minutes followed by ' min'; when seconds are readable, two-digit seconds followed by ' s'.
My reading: 9 h 27 min
